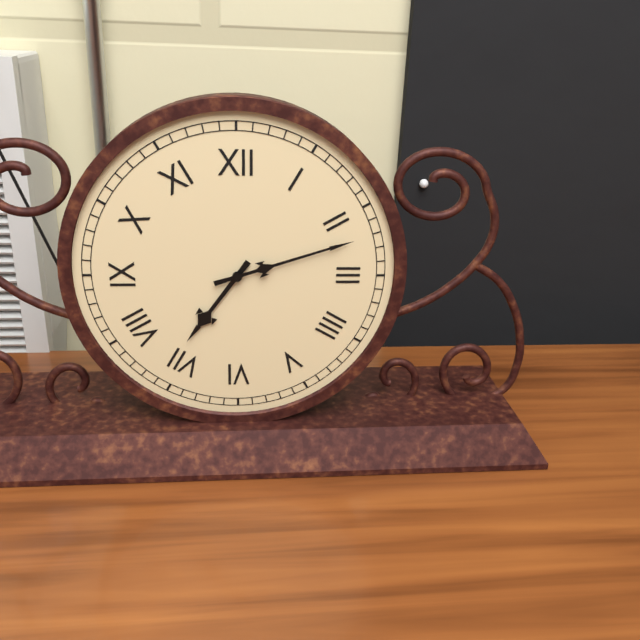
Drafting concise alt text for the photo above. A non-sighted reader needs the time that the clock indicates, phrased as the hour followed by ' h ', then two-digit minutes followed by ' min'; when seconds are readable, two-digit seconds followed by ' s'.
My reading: 7 h 12 min
